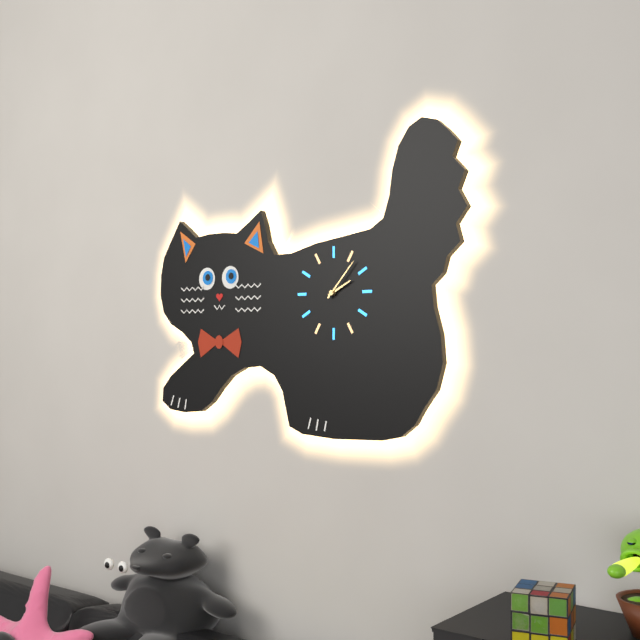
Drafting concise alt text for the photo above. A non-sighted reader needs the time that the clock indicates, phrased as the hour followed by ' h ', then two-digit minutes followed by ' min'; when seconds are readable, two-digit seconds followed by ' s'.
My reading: 2 h 07 min
